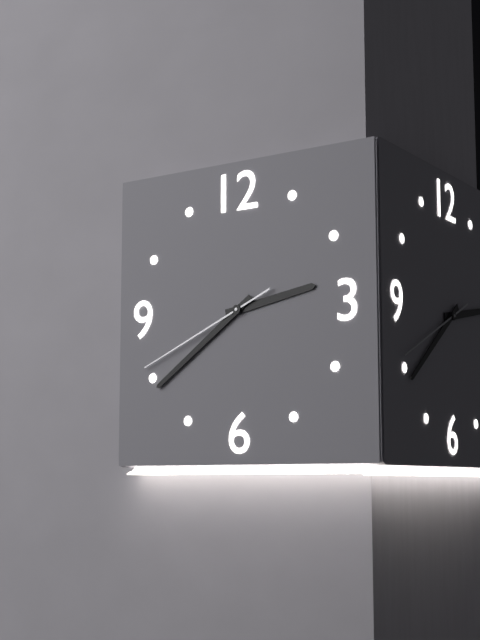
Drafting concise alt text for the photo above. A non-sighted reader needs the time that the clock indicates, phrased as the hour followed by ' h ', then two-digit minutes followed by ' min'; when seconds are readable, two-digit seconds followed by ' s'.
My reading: 2 h 39 min 41 s
